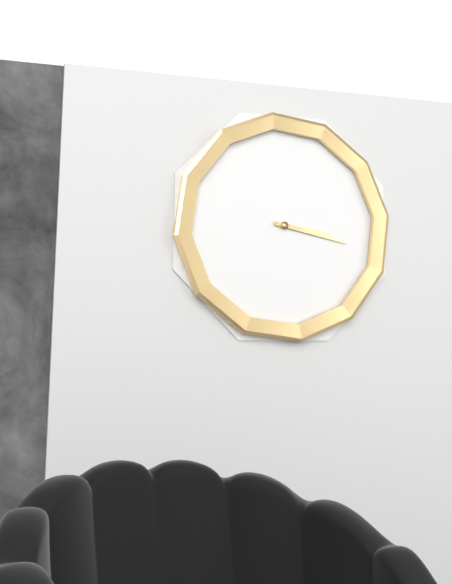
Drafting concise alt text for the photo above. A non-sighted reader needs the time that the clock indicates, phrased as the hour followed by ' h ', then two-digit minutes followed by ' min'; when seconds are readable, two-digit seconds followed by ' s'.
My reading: 3 h 17 min
